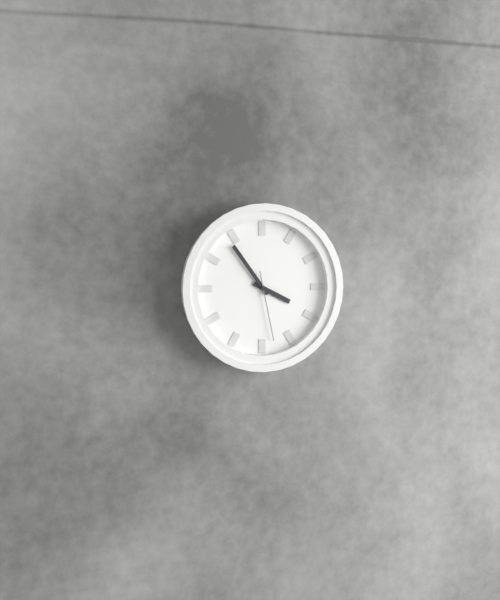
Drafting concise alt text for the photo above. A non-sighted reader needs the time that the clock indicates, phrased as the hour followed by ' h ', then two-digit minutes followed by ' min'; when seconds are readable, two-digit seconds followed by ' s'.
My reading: 3 h 54 min 28 s
